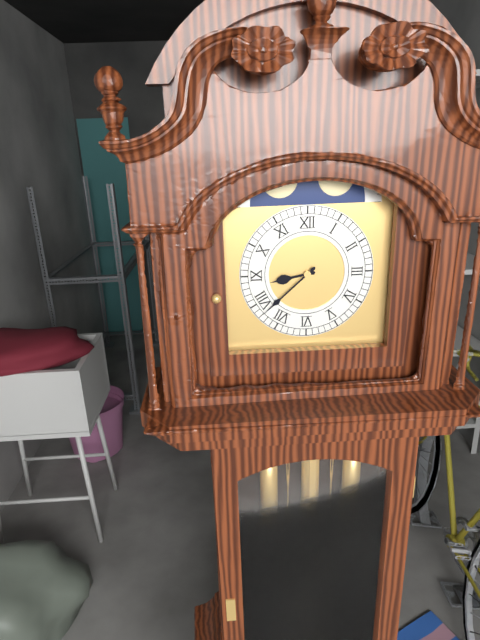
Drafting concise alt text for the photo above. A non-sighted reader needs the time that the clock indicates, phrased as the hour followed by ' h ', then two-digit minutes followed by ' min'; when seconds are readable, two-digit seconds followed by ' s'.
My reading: 8 h 38 min
